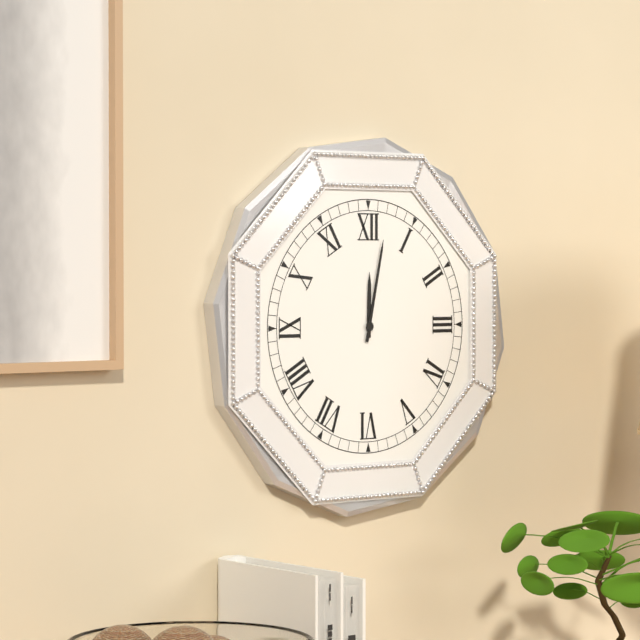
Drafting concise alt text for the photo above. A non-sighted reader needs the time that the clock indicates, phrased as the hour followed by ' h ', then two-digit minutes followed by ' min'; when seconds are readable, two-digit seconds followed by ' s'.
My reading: 12 h 02 min
